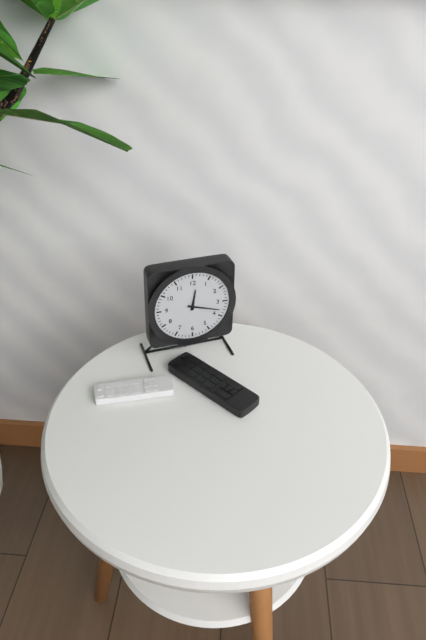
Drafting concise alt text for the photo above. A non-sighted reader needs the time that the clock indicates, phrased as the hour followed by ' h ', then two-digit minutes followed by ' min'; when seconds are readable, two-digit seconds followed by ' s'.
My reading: 12 h 18 min
